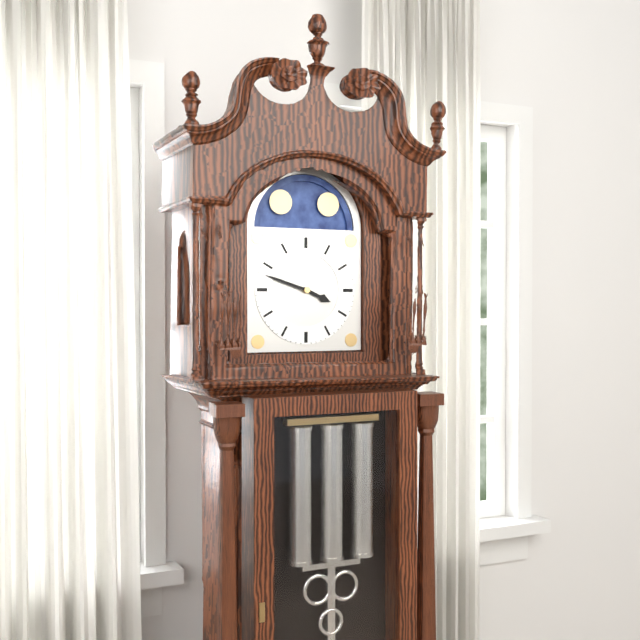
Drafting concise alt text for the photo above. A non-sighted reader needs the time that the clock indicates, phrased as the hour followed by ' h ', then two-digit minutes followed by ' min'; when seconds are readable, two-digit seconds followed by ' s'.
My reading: 3 h 48 min
